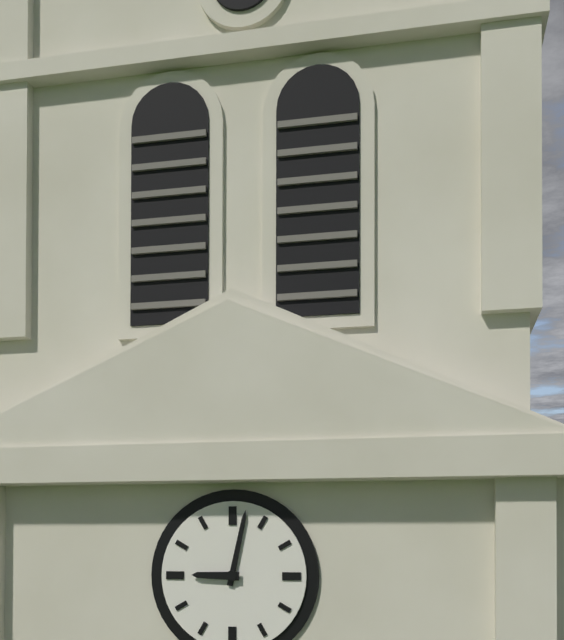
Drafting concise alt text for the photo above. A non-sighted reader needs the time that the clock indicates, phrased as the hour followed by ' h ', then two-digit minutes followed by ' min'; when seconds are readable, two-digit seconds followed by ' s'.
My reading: 9 h 02 min
